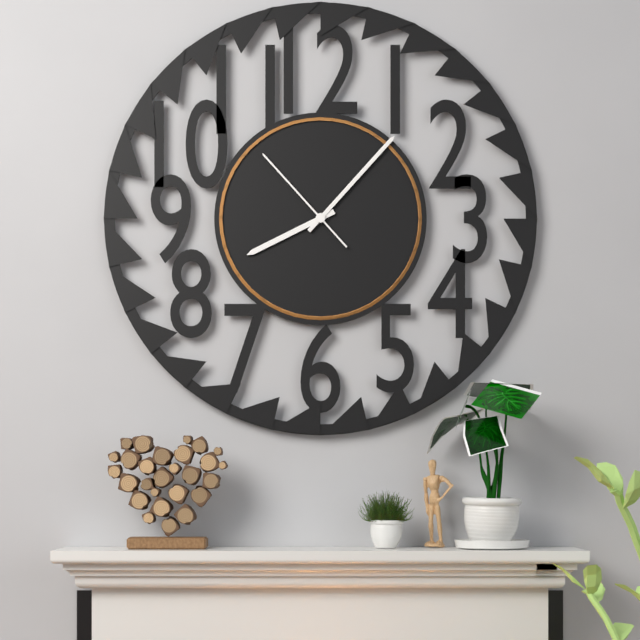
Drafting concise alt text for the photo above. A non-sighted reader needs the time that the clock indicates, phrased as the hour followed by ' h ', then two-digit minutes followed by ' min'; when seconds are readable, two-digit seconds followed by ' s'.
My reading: 8 h 07 min 53 s
